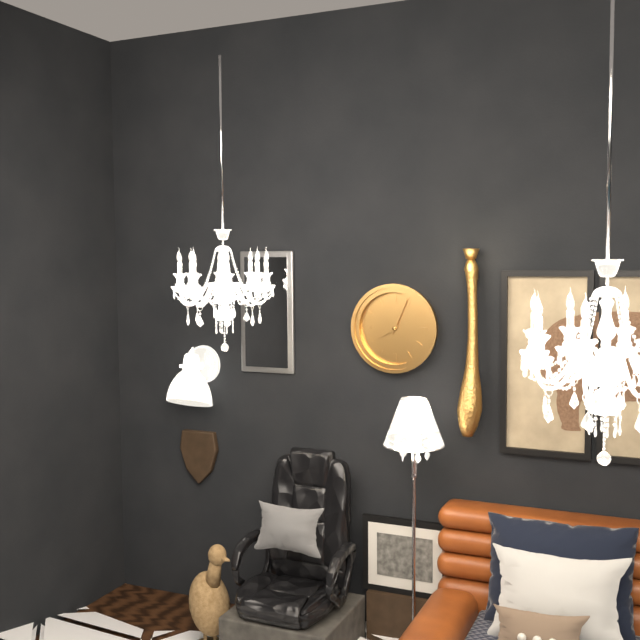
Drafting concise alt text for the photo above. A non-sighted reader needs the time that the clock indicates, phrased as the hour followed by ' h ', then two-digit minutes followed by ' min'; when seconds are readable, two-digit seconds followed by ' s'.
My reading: 8 h 04 min
